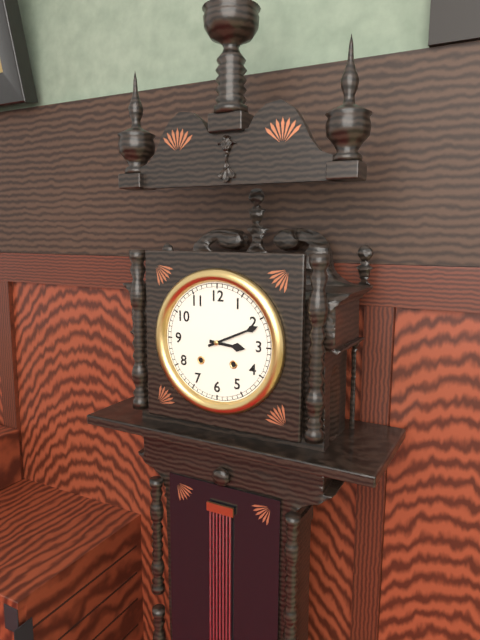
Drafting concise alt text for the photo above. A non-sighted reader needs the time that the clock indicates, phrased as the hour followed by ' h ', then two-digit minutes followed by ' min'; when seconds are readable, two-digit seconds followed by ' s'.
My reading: 3 h 11 min
